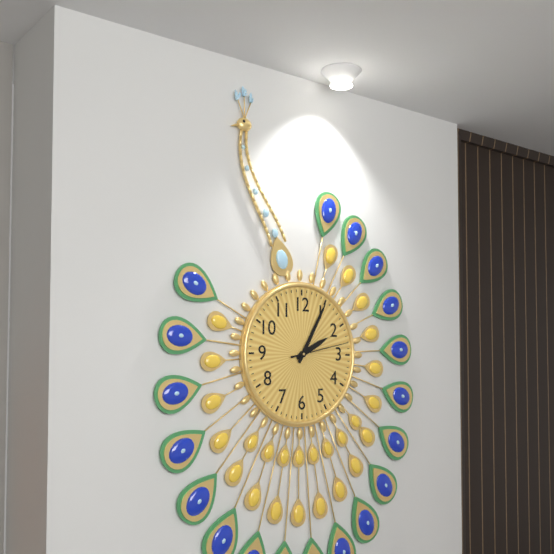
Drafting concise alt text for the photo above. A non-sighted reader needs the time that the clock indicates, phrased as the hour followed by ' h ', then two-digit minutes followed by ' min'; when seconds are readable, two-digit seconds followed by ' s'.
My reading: 2 h 05 min 13 s
